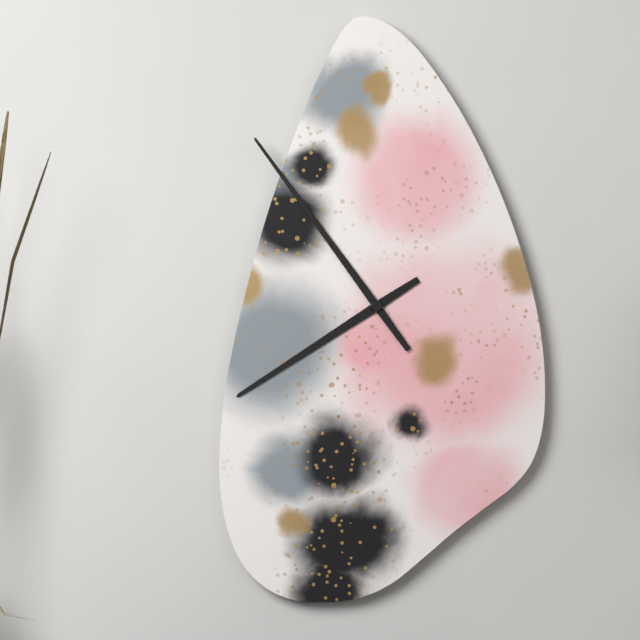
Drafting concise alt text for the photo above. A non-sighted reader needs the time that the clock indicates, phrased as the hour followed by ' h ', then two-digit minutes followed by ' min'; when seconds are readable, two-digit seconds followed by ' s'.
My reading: 7 h 54 min
